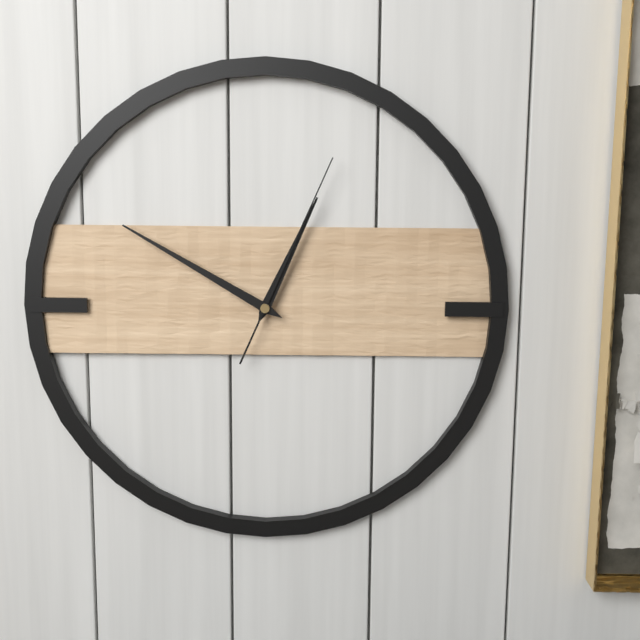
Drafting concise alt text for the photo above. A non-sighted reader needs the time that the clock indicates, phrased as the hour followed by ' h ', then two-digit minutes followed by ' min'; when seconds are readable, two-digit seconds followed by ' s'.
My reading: 12 h 50 min 04 s
